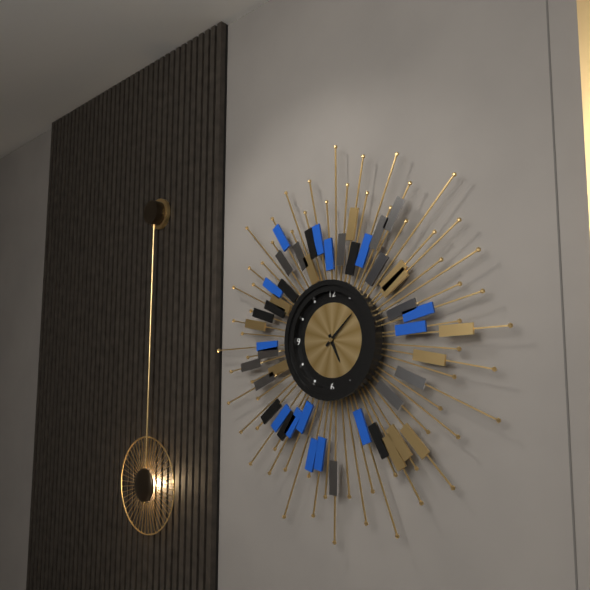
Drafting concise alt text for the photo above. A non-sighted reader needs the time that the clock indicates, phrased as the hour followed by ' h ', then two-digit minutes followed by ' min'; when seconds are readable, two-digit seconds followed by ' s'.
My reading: 5 h 08 min
